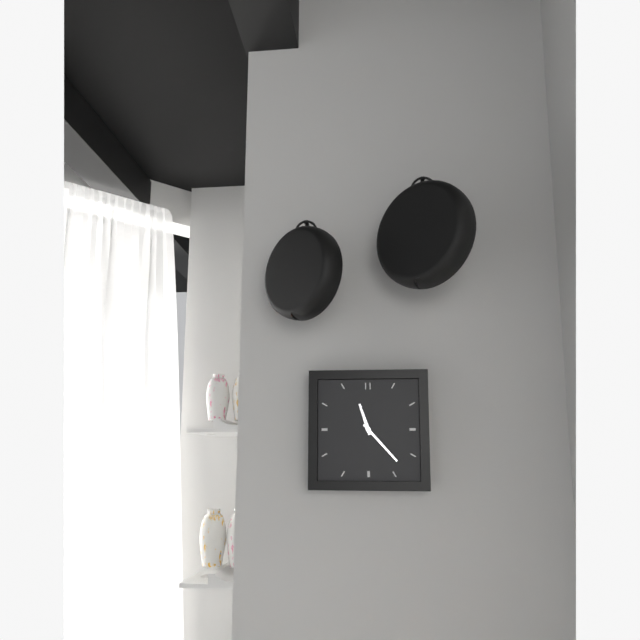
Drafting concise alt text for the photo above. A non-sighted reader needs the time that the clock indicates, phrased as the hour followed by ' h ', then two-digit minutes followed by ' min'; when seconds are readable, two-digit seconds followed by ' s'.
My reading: 11 h 23 min
